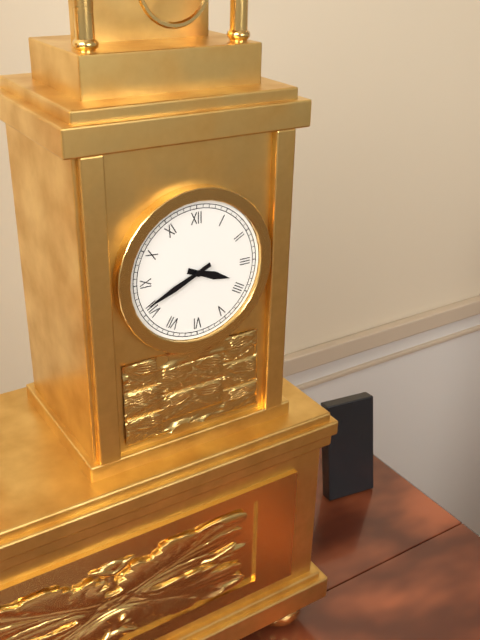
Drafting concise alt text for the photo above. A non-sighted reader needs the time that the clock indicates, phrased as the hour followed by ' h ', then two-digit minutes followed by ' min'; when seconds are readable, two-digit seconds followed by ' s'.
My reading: 3 h 41 min
